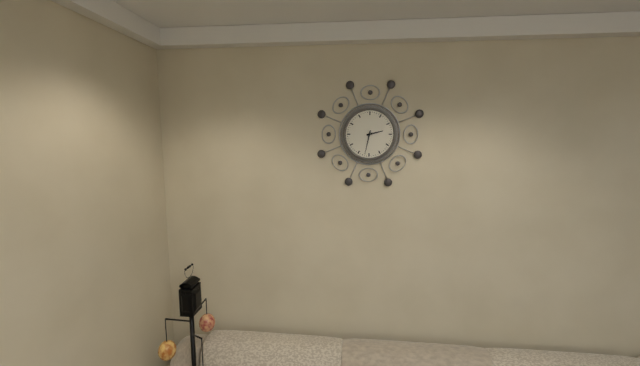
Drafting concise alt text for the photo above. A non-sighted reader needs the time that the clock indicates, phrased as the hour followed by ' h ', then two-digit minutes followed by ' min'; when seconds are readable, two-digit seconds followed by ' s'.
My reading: 2 h 32 min
